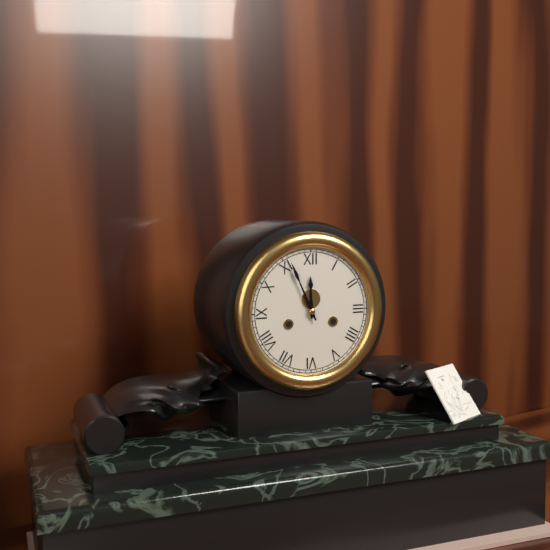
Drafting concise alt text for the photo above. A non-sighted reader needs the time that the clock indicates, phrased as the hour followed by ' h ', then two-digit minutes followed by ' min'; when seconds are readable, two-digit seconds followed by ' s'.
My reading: 11 h 56 min
